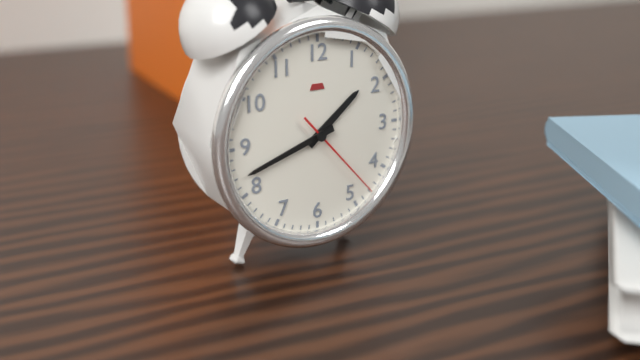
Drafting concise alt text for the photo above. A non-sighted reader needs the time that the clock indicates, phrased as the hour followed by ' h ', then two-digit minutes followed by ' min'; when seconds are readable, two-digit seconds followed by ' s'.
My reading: 1 h 42 min 23 s
